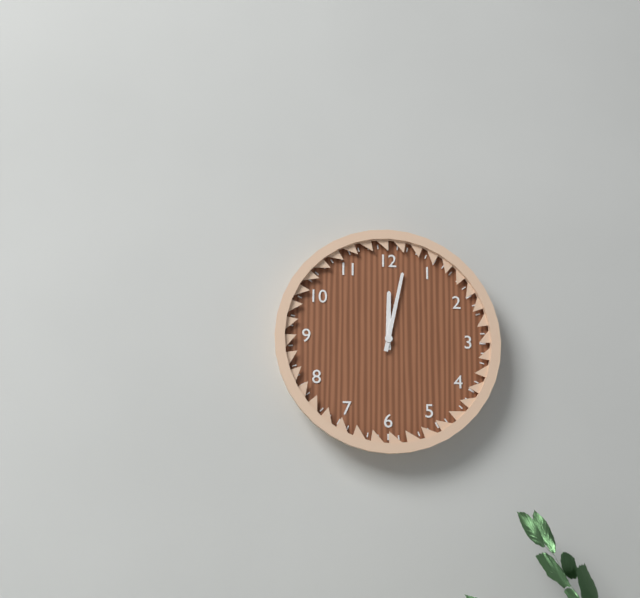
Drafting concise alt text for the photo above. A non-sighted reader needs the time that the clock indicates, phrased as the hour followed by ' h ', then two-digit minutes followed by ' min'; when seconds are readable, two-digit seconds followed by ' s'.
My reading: 12 h 02 min
